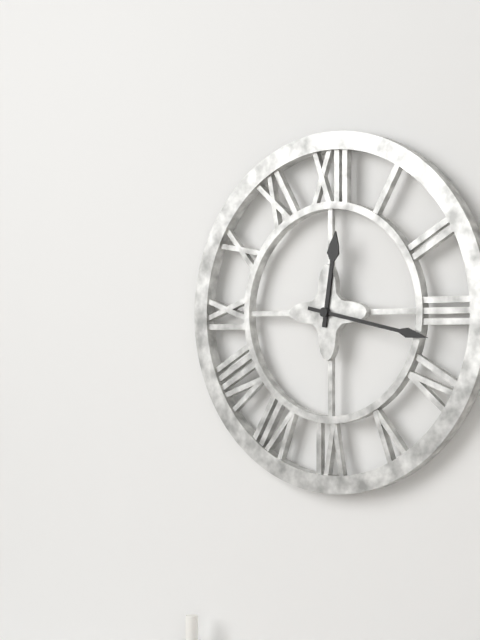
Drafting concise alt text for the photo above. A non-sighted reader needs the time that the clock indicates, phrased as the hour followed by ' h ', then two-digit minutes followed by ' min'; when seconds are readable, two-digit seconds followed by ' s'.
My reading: 12 h 17 min
